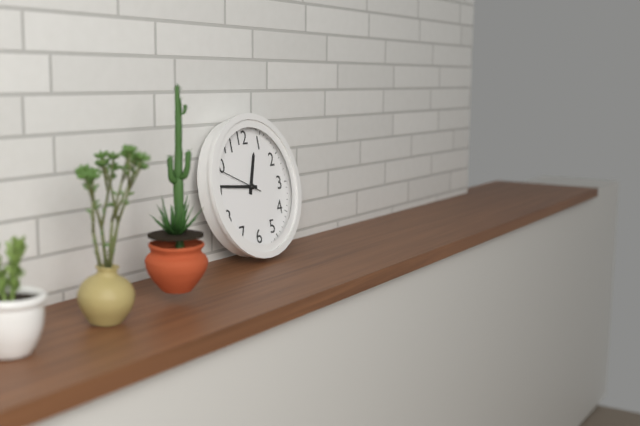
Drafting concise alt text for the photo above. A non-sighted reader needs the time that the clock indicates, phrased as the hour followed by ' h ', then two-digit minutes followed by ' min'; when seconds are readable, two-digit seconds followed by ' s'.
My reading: 12 h 46 min 49 s
